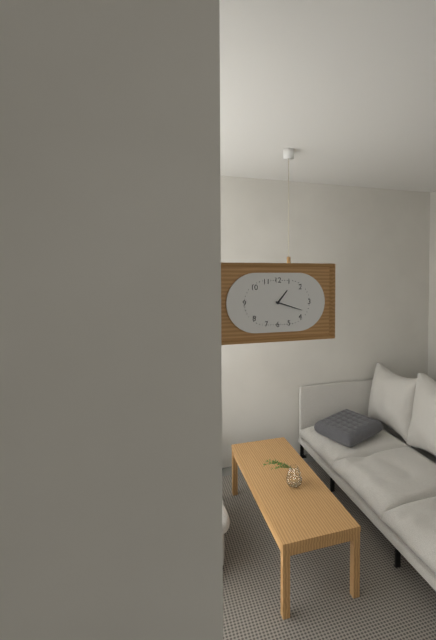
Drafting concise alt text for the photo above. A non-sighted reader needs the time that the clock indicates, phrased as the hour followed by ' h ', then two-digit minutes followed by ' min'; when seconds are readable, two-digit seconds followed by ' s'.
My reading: 1 h 18 min
